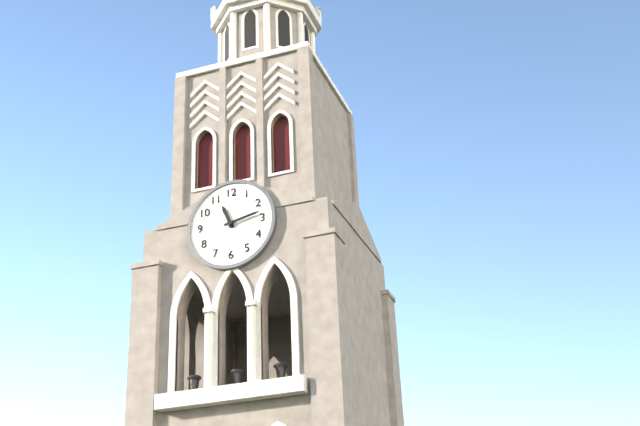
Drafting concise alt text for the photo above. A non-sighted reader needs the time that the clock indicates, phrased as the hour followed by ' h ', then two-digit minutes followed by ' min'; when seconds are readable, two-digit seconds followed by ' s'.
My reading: 11 h 13 min
